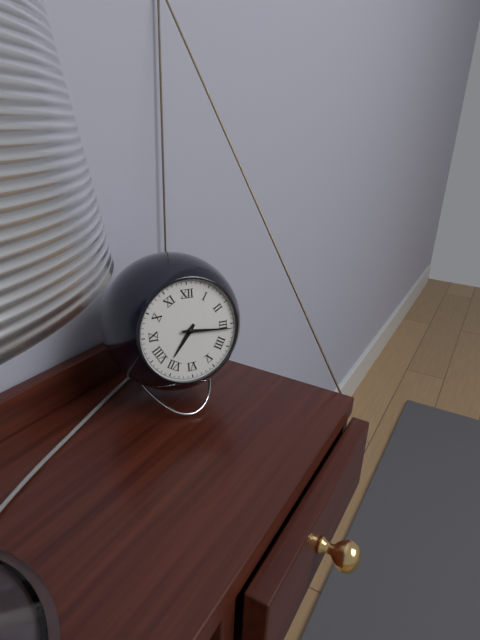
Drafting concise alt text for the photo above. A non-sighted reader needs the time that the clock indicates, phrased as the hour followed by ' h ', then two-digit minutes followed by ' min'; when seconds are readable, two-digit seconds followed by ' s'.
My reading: 7 h 16 min
